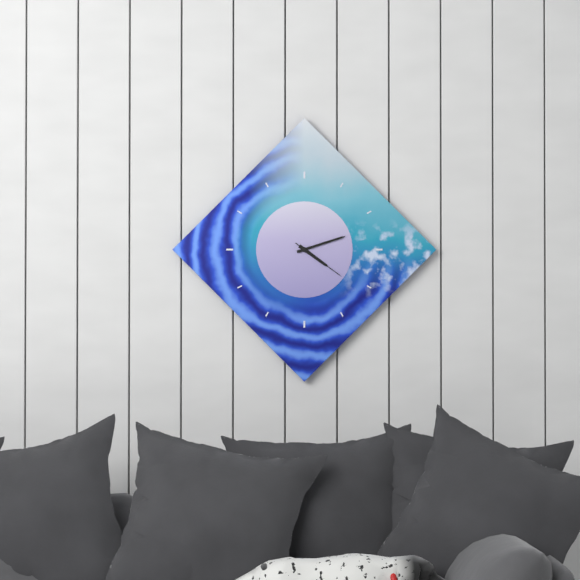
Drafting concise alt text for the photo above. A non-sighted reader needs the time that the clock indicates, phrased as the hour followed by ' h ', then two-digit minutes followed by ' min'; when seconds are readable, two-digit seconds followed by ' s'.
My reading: 4 h 12 min 21 s
